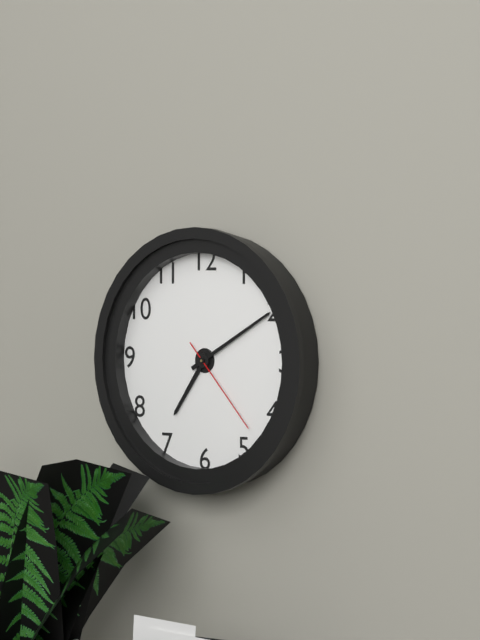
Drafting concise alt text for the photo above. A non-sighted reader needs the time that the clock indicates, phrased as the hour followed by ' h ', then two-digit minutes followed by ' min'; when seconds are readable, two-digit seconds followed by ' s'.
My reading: 7 h 10 min 23 s
